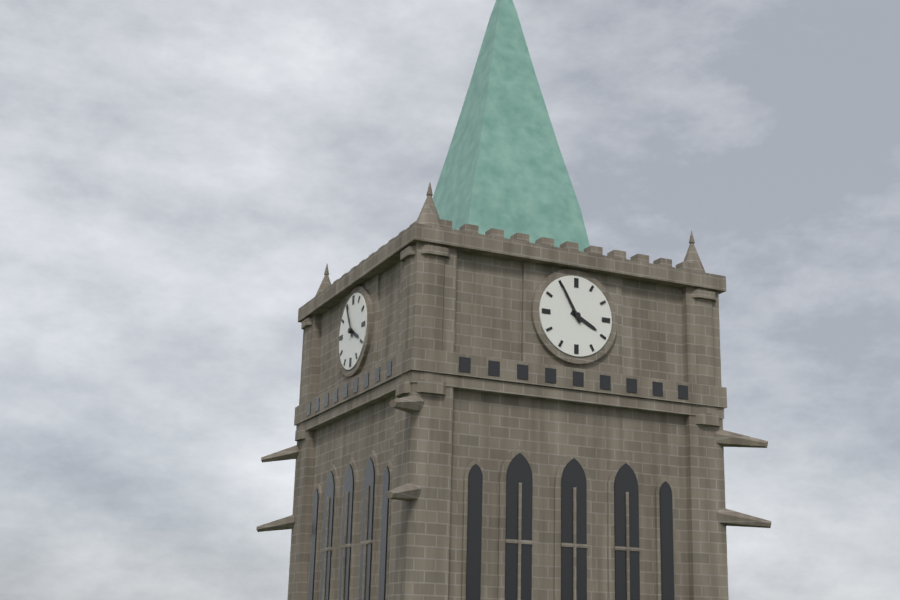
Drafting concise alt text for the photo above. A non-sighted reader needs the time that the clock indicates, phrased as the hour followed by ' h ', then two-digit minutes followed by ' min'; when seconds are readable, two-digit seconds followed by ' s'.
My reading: 3 h 55 min
